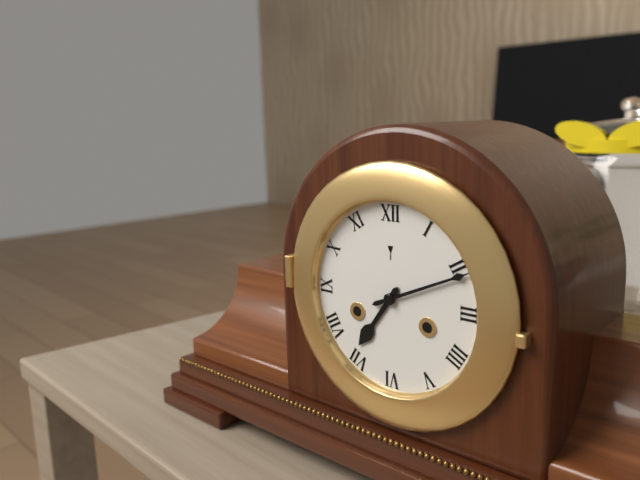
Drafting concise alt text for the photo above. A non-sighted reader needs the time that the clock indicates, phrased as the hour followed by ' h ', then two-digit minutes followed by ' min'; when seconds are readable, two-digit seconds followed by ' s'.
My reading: 7 h 11 min
